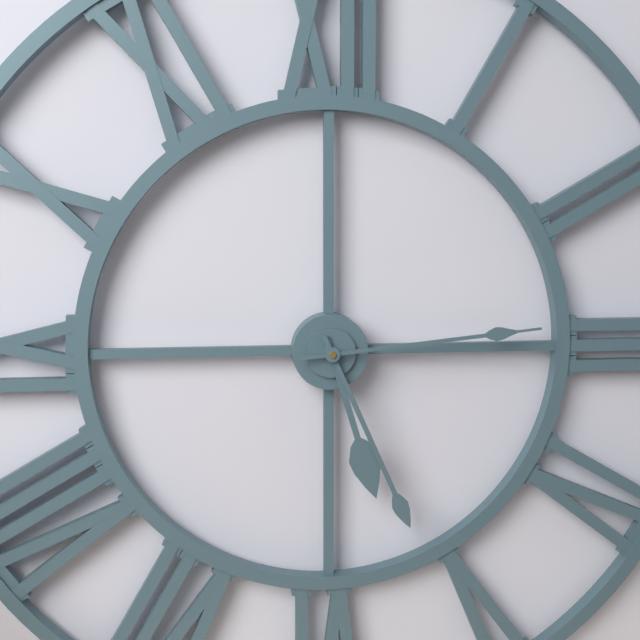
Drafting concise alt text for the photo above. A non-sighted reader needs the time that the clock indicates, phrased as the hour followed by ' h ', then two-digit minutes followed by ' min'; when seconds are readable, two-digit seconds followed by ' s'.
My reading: 5 h 26 min 14 s
